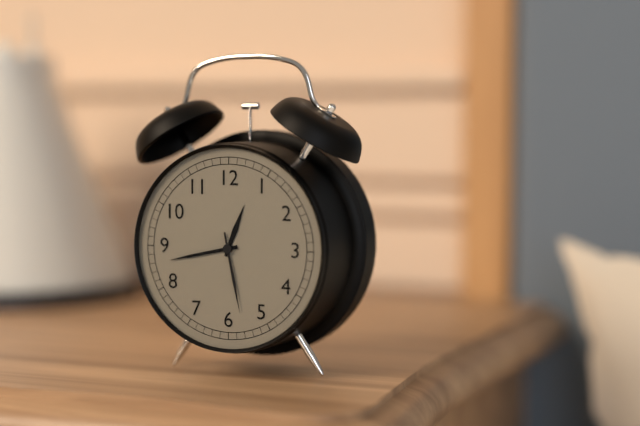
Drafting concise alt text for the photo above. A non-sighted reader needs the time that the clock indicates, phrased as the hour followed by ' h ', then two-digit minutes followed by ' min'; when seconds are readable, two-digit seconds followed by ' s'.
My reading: 12 h 43 min 28 s
